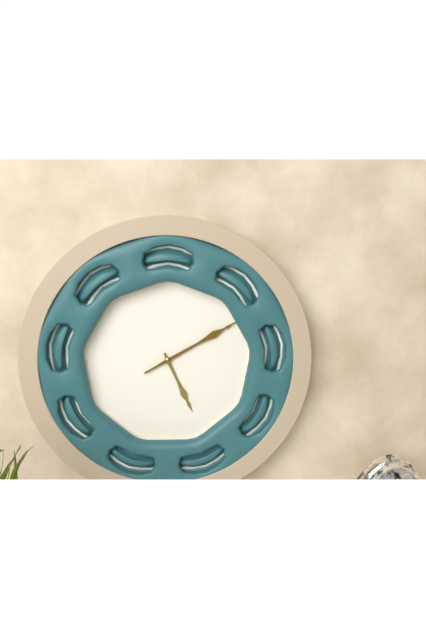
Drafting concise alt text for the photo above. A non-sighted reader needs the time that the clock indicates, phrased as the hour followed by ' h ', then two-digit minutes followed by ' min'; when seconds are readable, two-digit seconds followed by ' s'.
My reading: 5 h 10 min
